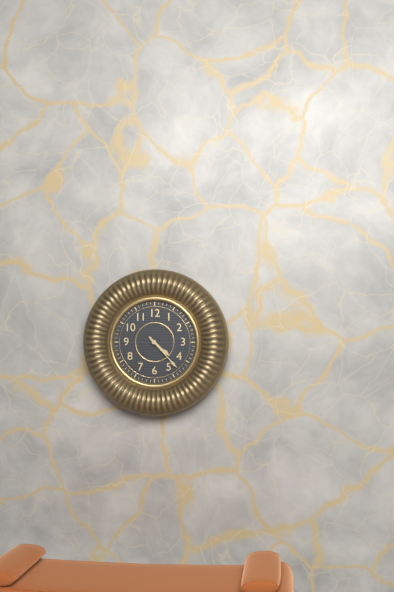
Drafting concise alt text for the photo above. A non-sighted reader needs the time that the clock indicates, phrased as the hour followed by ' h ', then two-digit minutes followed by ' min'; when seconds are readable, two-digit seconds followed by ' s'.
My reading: 4 h 23 min
